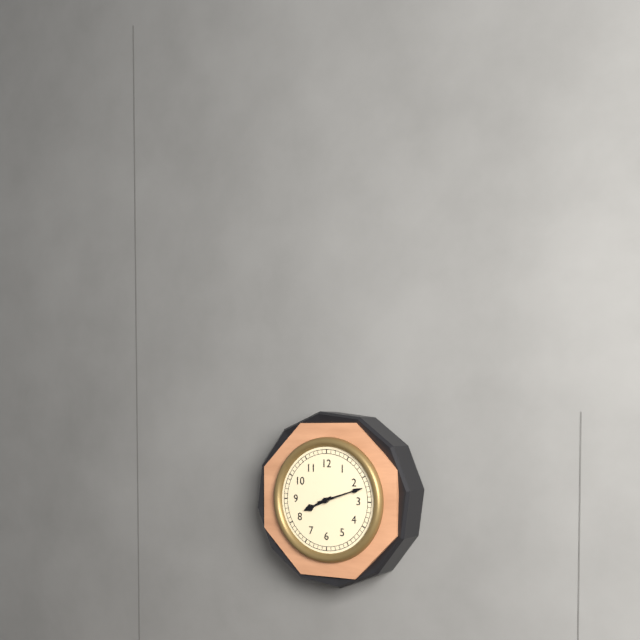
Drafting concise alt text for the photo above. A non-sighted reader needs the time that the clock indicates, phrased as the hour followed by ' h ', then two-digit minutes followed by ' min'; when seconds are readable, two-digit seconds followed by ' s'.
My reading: 8 h 12 min
